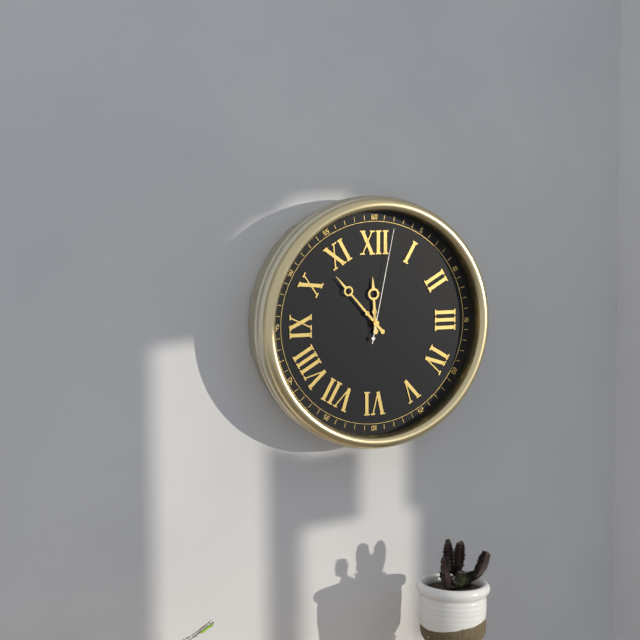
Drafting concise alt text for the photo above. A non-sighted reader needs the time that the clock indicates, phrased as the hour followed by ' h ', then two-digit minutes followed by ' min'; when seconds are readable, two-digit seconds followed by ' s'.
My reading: 11 h 53 min 02 s
